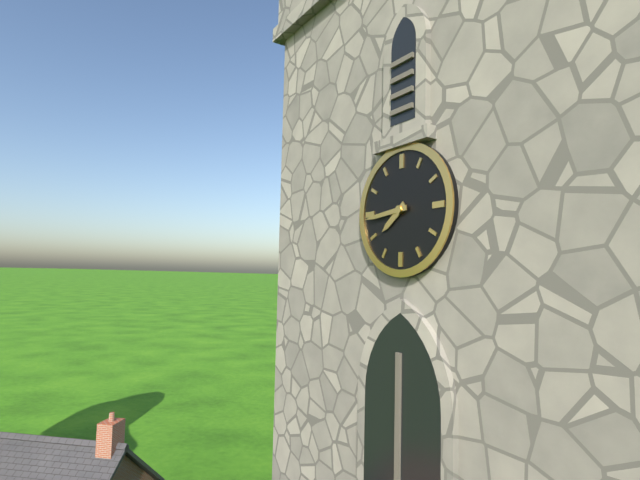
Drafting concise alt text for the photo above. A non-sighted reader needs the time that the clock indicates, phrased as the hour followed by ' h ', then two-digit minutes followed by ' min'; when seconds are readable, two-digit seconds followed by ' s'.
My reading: 7 h 44 min
